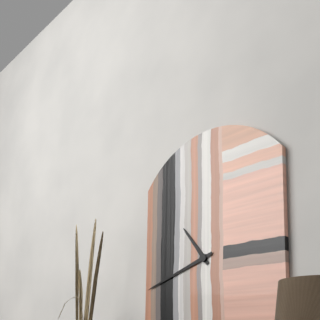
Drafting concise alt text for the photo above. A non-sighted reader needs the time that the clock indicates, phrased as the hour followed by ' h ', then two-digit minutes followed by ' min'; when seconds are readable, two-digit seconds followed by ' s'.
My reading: 10 h 42 min
